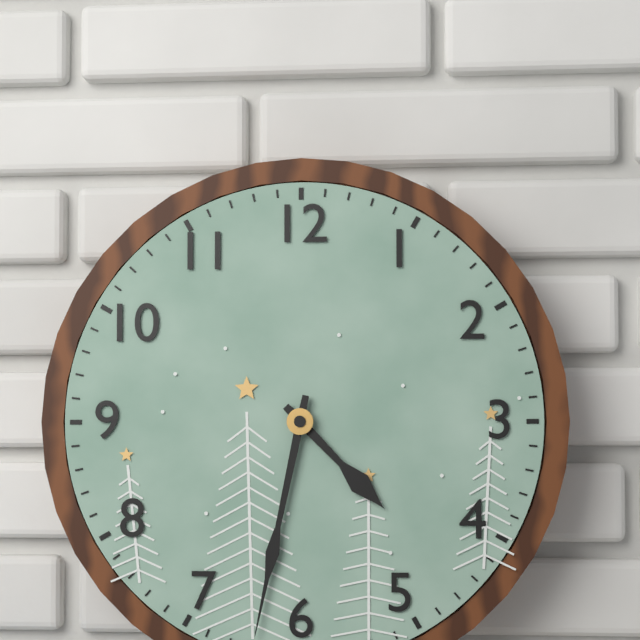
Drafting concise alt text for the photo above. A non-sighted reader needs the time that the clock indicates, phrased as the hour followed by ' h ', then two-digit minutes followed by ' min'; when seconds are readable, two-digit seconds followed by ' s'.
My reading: 4 h 32 min
